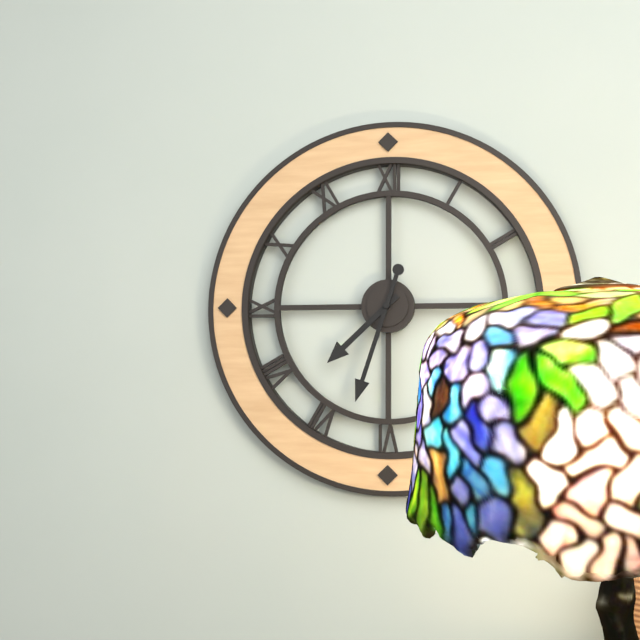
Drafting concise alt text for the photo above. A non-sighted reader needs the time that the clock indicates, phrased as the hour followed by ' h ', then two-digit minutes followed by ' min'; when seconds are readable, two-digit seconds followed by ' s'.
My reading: 7 h 33 min
